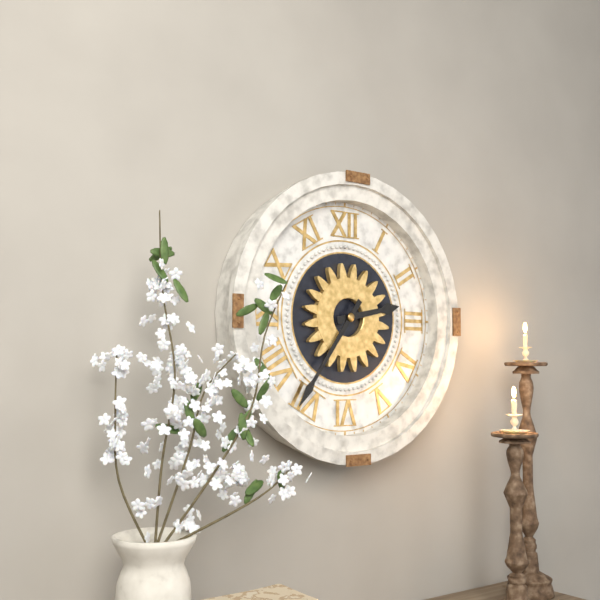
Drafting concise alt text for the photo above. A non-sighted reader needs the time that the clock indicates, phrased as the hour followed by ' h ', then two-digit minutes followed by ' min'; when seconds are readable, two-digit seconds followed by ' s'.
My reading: 2 h 36 min
